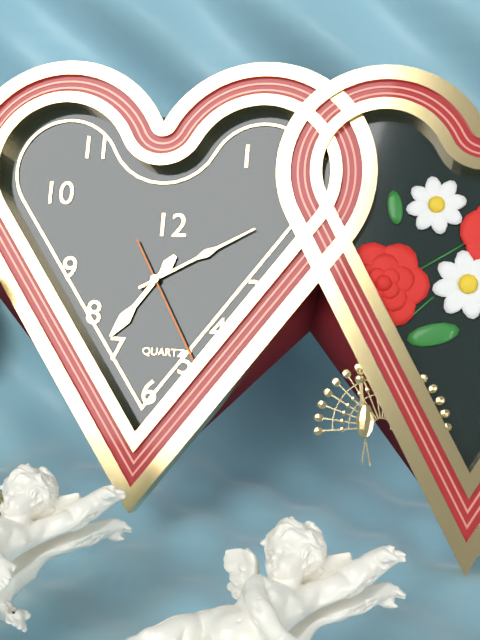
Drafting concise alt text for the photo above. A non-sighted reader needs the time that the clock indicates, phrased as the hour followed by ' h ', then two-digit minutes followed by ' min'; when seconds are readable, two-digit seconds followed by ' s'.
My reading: 7 h 10 min 25 s
